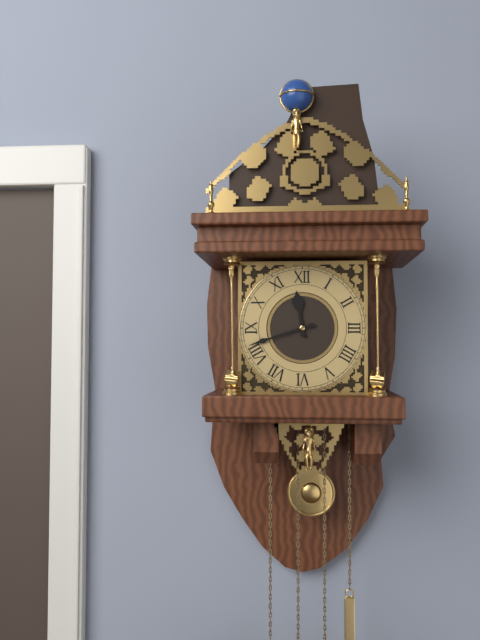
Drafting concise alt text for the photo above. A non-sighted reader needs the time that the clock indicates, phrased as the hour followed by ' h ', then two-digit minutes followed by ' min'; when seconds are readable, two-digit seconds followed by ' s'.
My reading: 11 h 42 min
